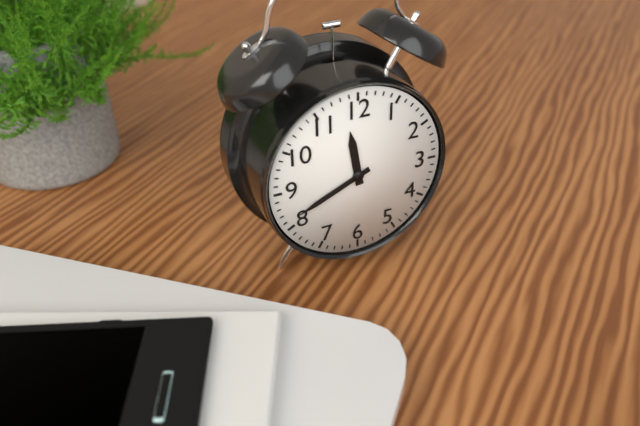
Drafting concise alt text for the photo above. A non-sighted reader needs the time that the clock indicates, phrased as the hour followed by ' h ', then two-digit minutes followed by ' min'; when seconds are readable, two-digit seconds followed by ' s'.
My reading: 11 h 41 min
